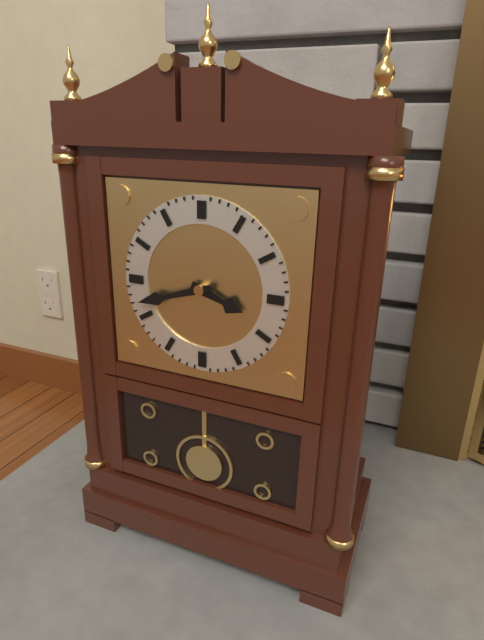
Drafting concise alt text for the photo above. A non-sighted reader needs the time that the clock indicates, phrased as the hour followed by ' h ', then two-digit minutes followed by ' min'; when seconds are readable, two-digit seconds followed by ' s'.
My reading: 3 h 42 min
